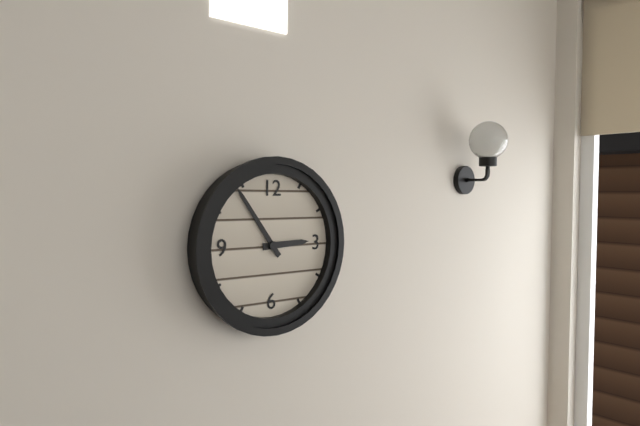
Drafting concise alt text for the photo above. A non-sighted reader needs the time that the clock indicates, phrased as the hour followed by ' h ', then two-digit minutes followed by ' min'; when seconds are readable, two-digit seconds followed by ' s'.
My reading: 2 h 54 min
